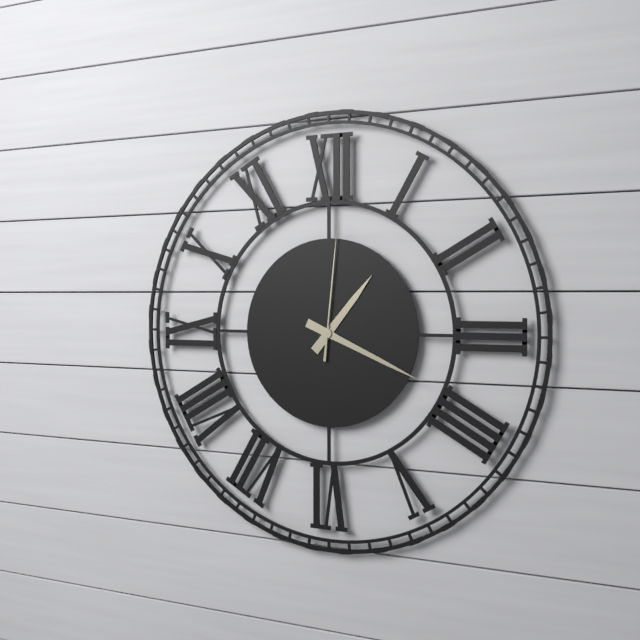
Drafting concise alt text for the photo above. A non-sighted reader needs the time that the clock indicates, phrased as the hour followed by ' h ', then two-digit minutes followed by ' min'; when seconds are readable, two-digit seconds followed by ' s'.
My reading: 1 h 19 min 01 s
